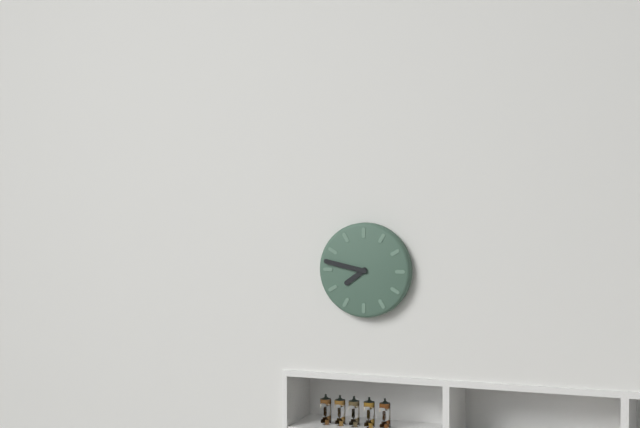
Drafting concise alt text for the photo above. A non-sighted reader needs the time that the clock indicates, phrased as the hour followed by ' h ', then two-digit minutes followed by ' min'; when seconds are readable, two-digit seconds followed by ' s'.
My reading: 7 h 47 min
